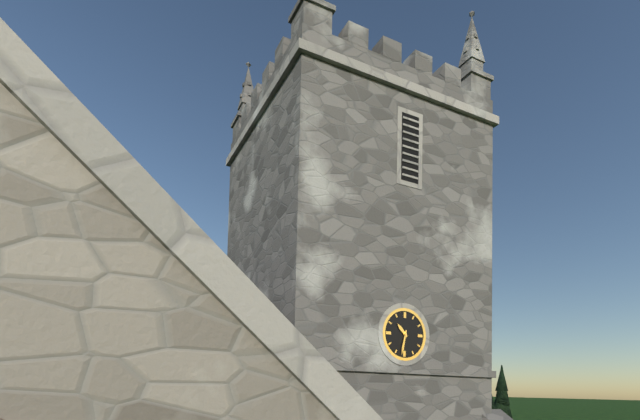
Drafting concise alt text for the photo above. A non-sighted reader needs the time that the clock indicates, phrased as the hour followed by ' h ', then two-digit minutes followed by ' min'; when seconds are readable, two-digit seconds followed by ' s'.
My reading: 10 h 32 min
